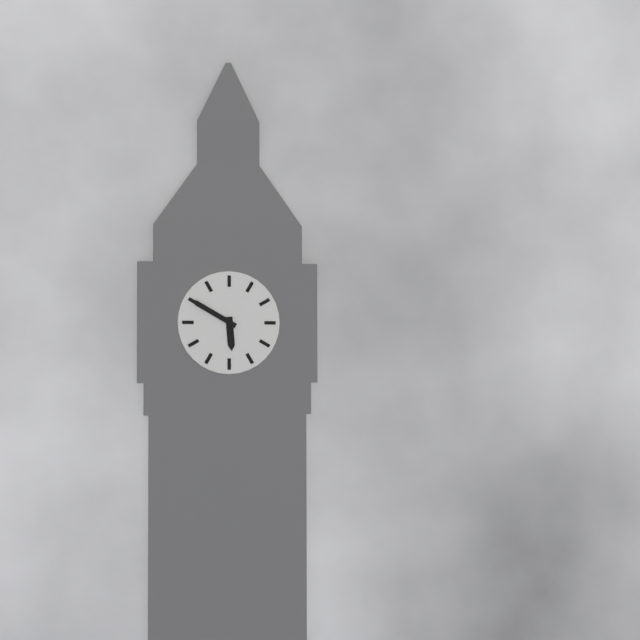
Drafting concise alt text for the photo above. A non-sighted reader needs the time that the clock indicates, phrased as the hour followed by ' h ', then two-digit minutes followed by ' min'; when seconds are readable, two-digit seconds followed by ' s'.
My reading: 5 h 50 min
